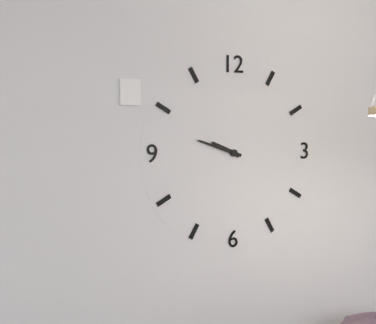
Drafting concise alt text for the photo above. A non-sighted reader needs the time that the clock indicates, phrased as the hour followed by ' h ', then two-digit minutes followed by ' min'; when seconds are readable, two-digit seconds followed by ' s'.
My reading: 9 h 48 min
